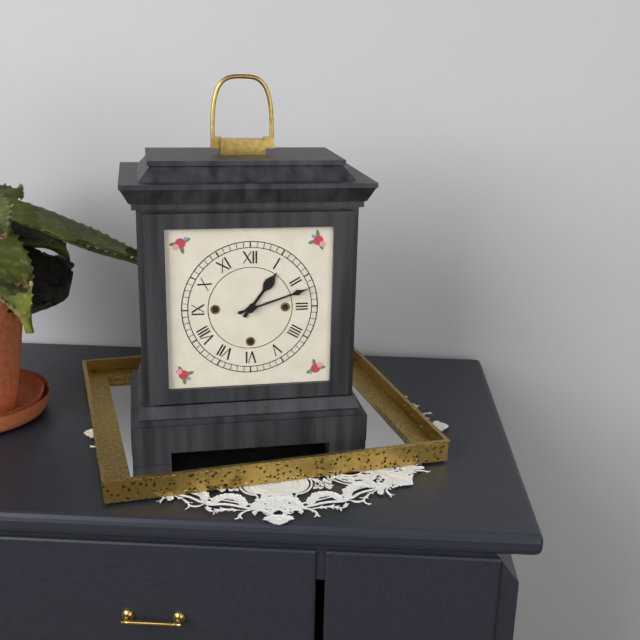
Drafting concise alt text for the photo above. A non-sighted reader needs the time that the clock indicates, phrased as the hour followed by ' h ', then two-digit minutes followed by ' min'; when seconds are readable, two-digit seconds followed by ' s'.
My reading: 1 h 12 min
